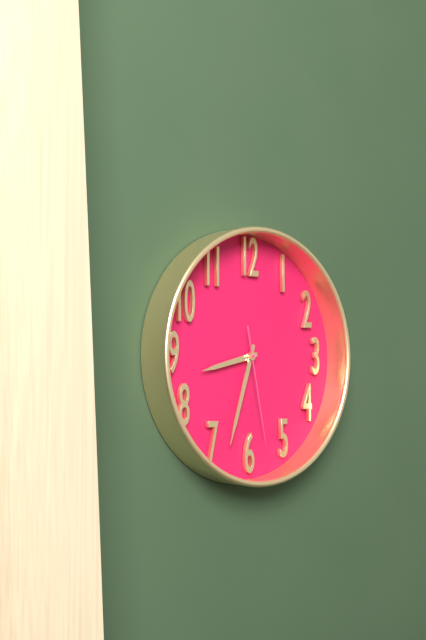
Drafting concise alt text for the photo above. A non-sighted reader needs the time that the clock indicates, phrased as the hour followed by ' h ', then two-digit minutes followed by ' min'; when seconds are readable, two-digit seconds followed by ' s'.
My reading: 8 h 33 min 28 s
